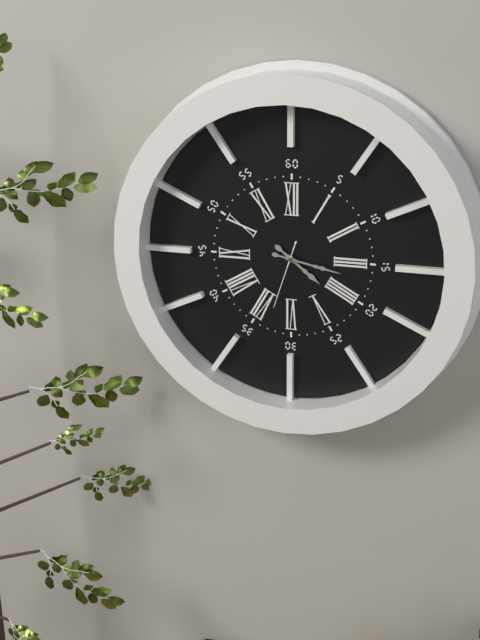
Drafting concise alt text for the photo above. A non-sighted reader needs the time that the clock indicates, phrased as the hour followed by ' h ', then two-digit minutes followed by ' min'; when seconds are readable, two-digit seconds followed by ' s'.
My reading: 4 h 17 min 33 s
